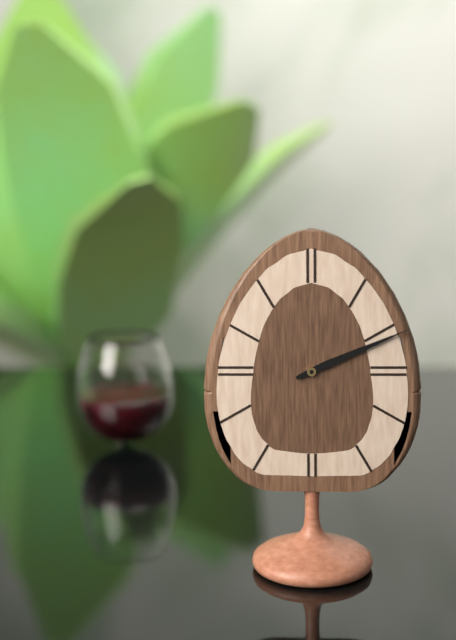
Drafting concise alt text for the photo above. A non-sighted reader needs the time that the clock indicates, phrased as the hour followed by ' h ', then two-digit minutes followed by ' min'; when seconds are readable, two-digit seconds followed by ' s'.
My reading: 2 h 11 min
